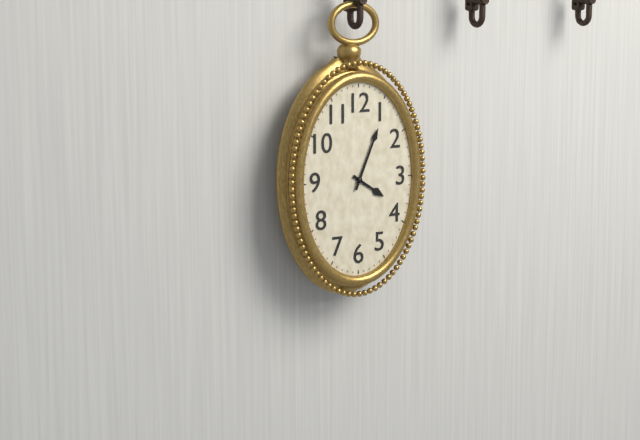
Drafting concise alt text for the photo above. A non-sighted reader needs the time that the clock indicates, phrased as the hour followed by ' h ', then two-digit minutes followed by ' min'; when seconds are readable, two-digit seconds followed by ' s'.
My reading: 4 h 04 min
